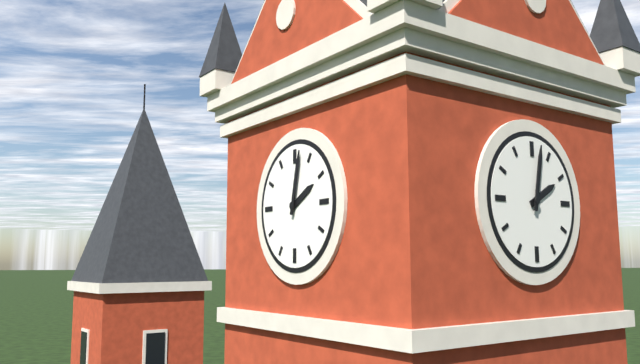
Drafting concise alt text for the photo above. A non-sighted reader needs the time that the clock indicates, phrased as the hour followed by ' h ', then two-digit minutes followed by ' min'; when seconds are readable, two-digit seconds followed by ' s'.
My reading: 2 h 02 min
